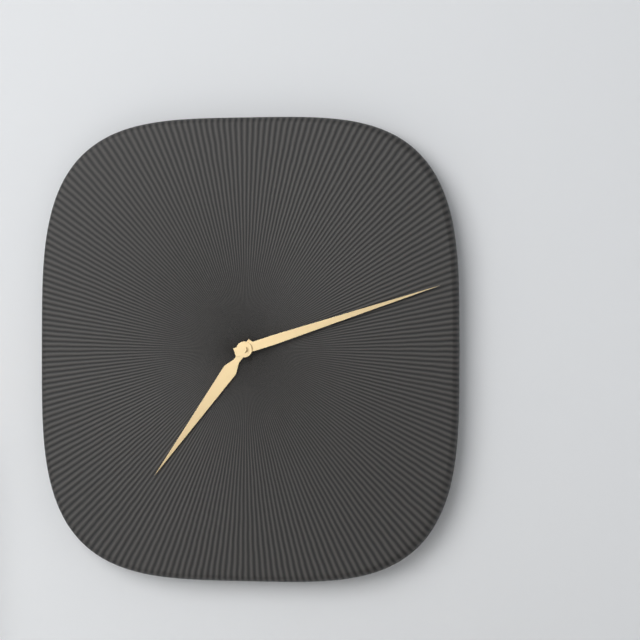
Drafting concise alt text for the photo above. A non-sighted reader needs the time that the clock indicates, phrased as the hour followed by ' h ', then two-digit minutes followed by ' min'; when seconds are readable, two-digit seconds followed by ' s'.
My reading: 7 h 12 min
